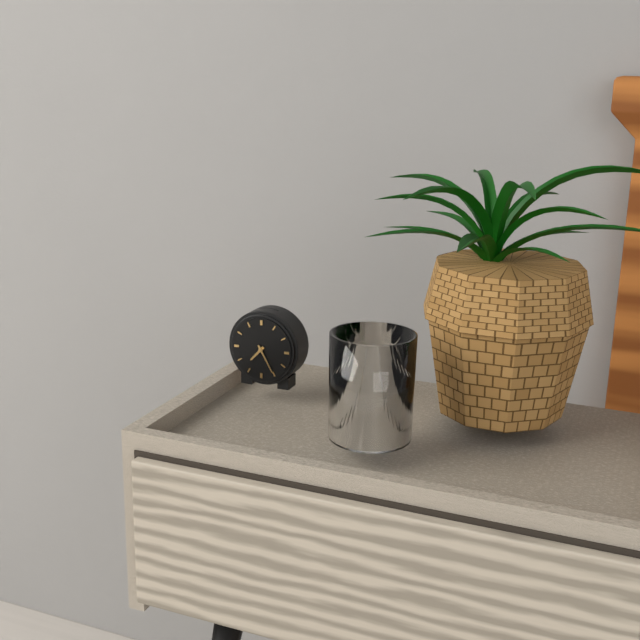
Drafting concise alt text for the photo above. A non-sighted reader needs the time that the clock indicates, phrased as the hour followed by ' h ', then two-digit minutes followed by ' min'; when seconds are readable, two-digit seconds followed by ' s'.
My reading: 7 h 25 min
